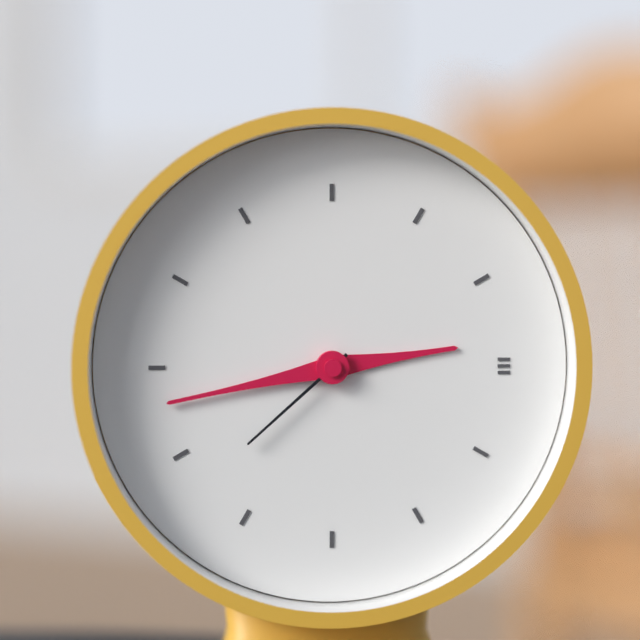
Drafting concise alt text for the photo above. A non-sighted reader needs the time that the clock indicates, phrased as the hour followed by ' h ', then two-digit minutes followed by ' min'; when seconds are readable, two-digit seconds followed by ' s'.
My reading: 2 h 43 min 38 s
